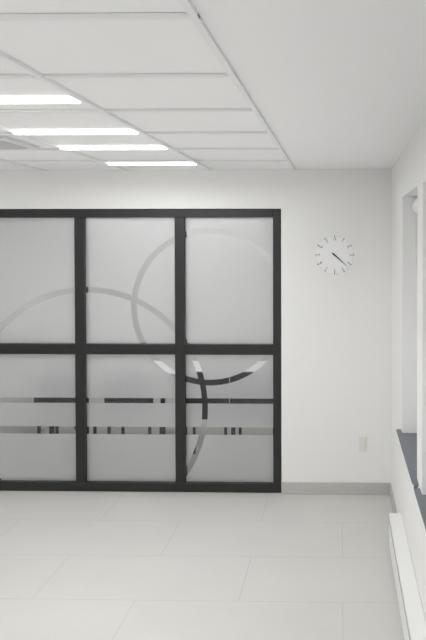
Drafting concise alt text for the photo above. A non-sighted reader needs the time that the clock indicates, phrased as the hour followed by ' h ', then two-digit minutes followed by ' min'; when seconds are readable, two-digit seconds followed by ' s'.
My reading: 4 h 22 min
